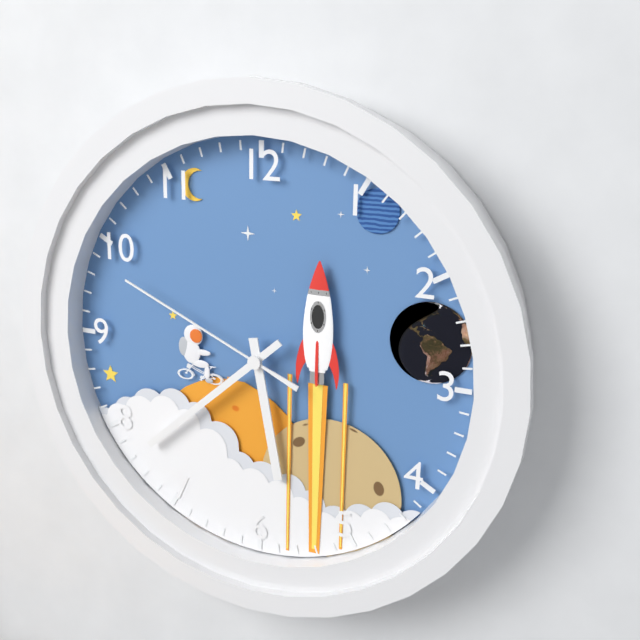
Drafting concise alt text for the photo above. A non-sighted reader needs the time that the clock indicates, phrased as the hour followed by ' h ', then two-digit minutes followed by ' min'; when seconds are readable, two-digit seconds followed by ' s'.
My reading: 5 h 38 min 49 s
